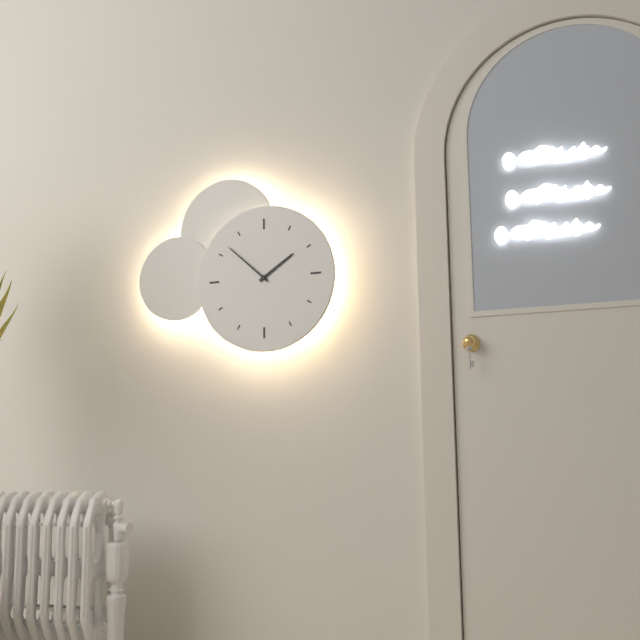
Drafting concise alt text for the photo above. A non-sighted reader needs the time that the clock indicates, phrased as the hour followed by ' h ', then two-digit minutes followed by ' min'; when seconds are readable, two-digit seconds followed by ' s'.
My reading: 1 h 52 min
